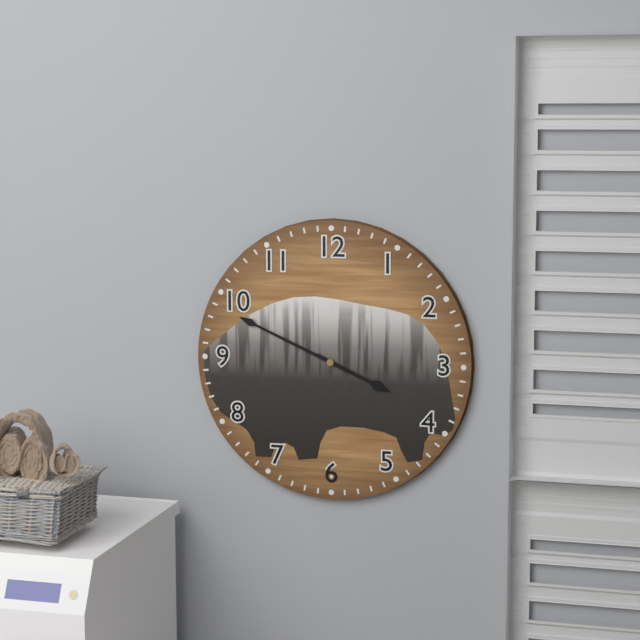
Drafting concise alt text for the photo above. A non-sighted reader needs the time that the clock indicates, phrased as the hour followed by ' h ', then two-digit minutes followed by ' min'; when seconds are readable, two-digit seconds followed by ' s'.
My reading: 3 h 49 min
